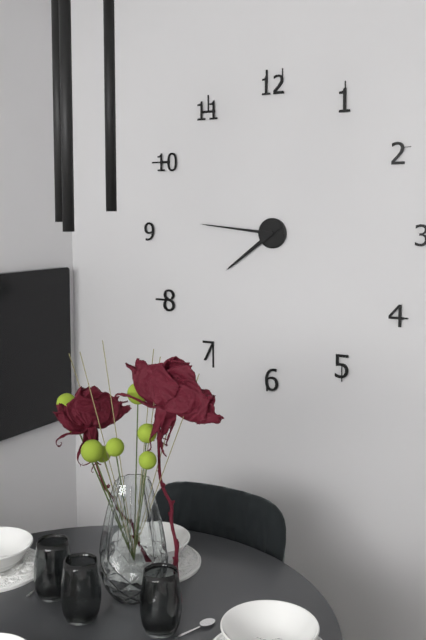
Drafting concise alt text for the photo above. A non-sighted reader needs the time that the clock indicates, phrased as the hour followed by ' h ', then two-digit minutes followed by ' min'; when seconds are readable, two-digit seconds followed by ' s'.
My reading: 7 h 46 min
